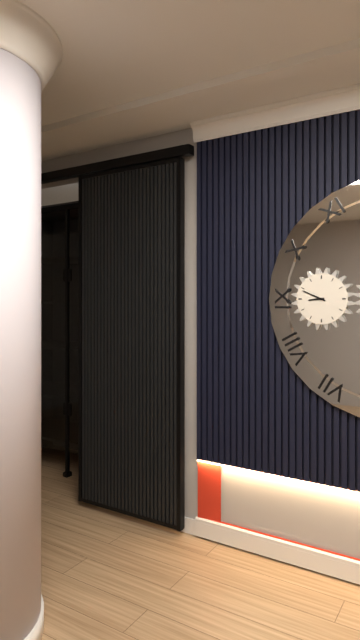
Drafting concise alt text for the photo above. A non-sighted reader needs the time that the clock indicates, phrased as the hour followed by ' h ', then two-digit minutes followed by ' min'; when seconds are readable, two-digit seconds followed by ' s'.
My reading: 8 h 49 min
